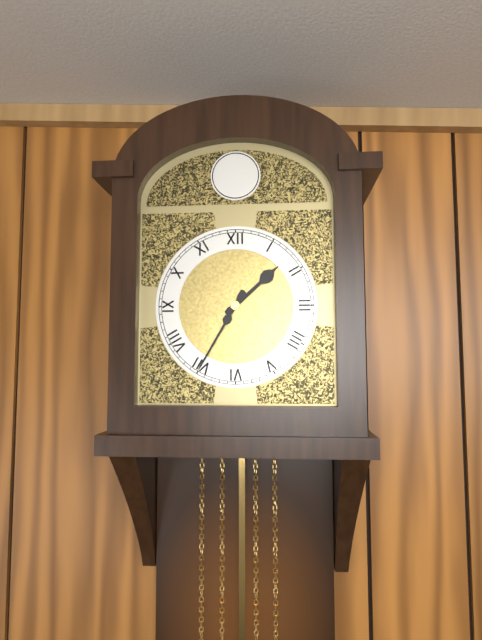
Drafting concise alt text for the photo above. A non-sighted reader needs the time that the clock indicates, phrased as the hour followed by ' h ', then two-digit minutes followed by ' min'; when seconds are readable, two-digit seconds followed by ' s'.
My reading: 1 h 35 min
